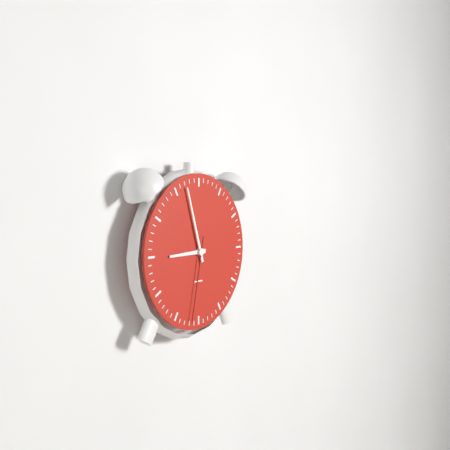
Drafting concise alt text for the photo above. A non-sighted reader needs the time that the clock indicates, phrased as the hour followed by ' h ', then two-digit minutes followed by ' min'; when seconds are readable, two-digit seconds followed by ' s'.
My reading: 8 h 57 min 32 s
